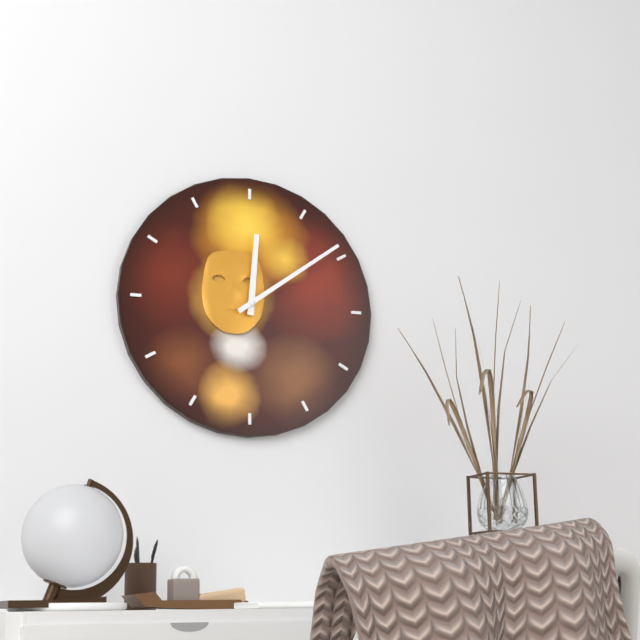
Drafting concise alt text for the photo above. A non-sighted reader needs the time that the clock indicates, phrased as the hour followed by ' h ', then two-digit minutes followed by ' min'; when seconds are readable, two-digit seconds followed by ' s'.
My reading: 12 h 09 min
